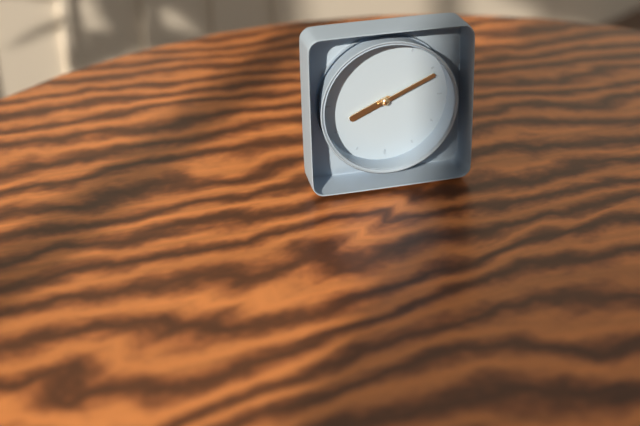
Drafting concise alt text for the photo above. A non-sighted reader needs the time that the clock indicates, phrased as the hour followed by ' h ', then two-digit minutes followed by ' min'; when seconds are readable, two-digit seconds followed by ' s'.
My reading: 8 h 11 min
